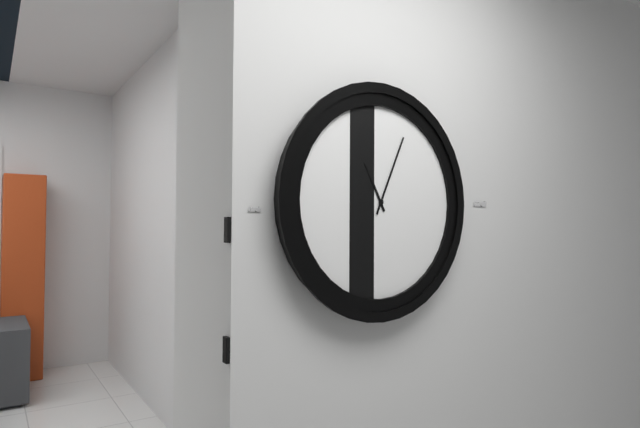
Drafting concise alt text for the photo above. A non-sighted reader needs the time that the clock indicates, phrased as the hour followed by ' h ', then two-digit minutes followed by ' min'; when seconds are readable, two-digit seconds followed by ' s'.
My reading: 11 h 04 min
